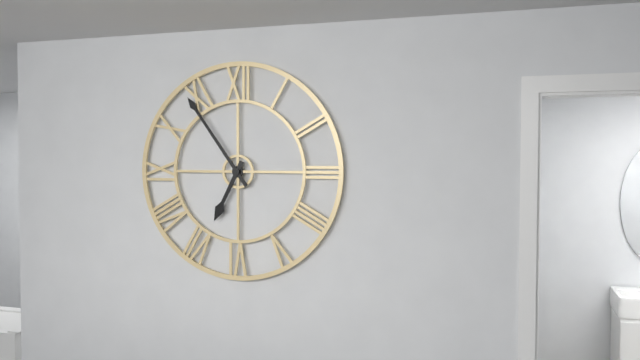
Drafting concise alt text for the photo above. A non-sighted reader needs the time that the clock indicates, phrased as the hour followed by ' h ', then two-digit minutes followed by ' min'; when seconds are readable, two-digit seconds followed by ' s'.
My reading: 6 h 54 min
